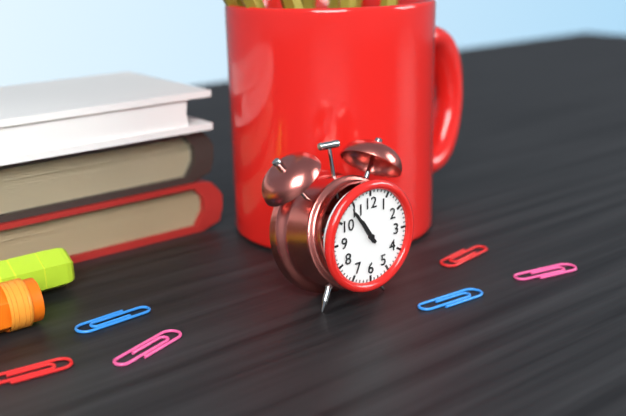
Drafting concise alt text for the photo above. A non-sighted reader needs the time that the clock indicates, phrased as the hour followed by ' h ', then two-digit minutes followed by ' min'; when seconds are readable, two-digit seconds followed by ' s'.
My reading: 10 h 54 min
